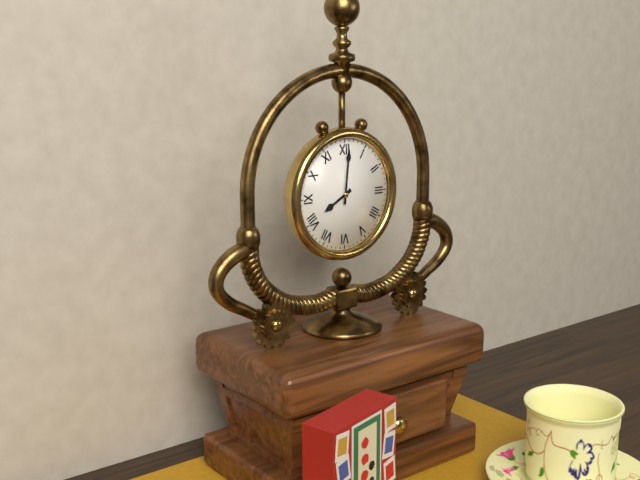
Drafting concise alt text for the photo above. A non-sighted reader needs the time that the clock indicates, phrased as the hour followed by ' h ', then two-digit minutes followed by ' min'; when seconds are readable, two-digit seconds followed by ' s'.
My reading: 8 h 01 min
